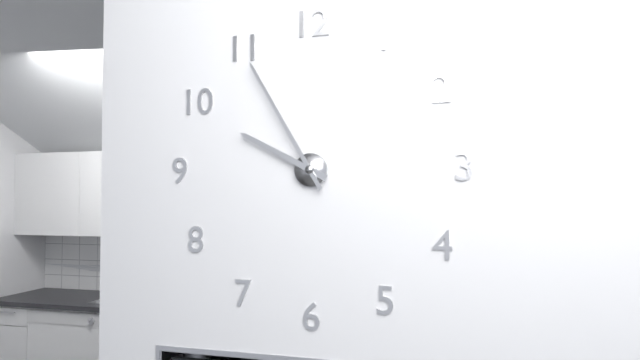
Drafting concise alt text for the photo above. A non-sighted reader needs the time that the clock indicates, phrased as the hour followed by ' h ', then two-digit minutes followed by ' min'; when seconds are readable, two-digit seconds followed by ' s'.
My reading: 9 h 55 min
